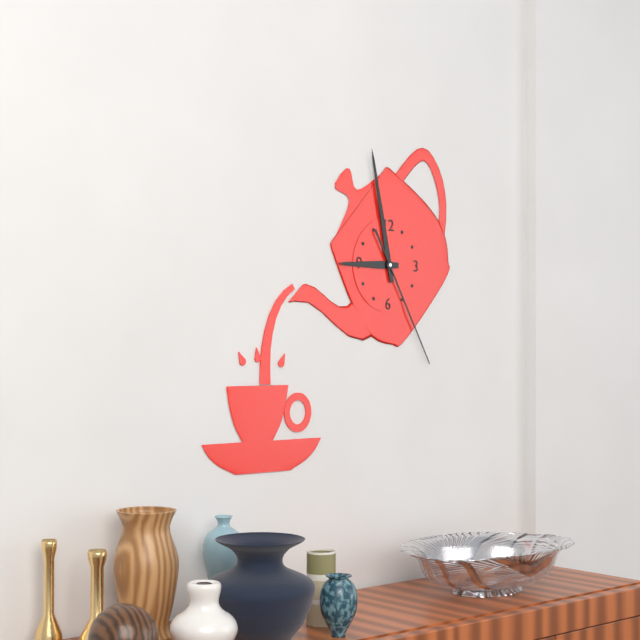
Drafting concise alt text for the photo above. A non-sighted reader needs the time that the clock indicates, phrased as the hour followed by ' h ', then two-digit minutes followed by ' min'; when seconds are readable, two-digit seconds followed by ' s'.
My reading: 8 h 58 min 25 s
